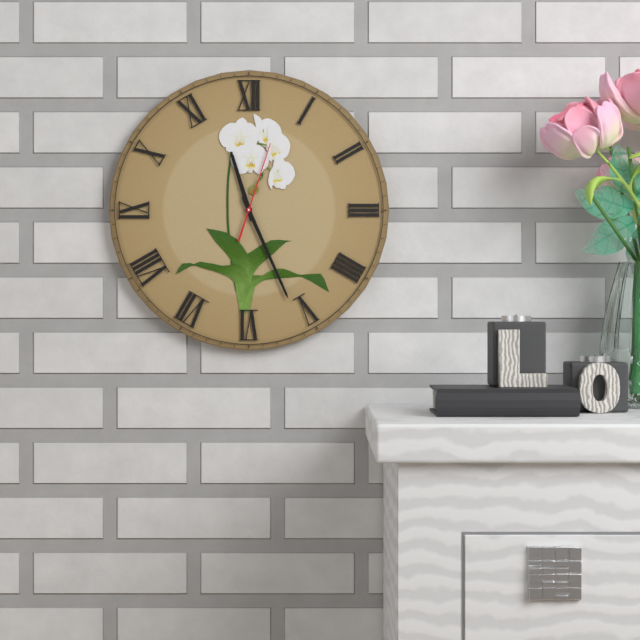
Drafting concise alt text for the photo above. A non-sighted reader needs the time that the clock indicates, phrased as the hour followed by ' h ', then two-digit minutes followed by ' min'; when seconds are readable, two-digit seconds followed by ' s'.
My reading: 11 h 26 min 03 s
